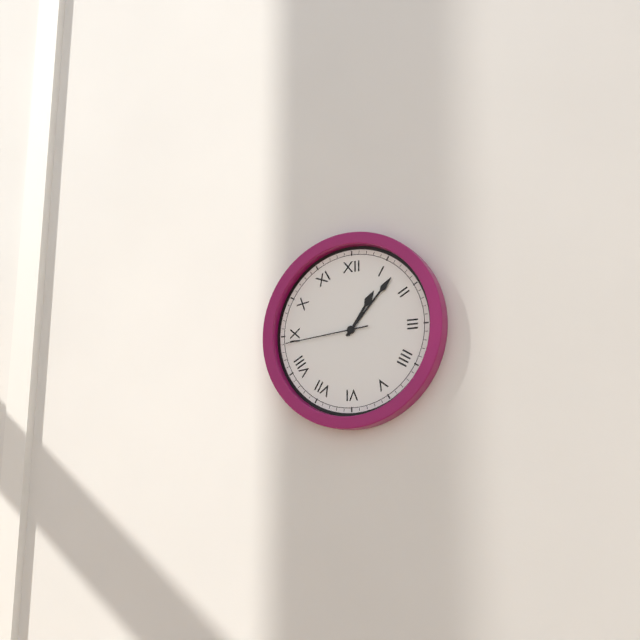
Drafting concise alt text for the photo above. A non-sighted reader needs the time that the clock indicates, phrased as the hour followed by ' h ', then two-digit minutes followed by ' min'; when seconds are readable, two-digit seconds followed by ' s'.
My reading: 1 h 07 min 44 s
